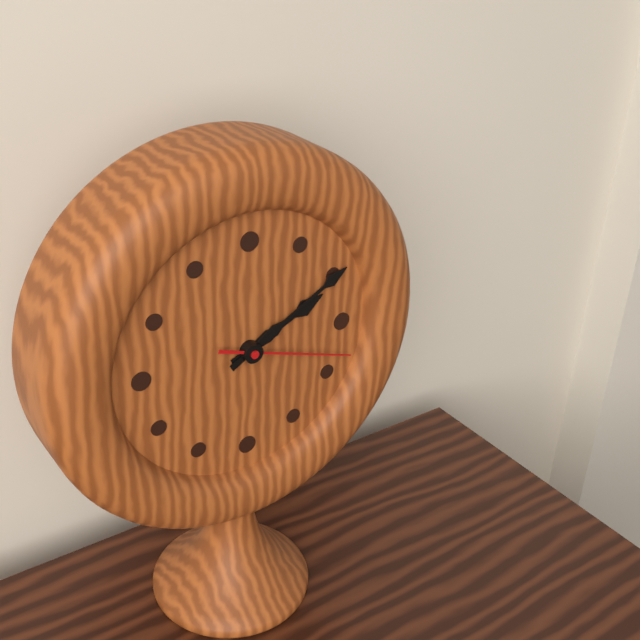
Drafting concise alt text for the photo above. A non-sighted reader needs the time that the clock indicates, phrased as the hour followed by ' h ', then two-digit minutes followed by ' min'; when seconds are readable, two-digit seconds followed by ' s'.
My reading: 2 h 10 min 18 s
